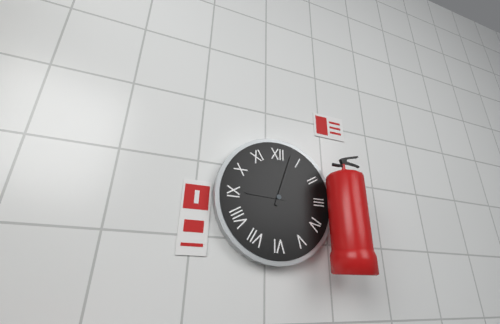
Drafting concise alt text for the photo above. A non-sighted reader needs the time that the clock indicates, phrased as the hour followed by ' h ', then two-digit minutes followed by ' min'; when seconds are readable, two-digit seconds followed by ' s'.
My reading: 9 h 03 min
